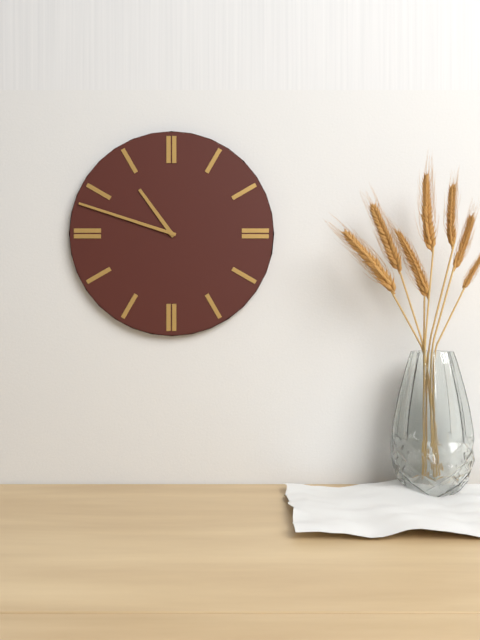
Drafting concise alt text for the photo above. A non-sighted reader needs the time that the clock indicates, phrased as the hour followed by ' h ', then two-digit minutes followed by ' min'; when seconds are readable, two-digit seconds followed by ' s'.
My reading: 10 h 48 min
